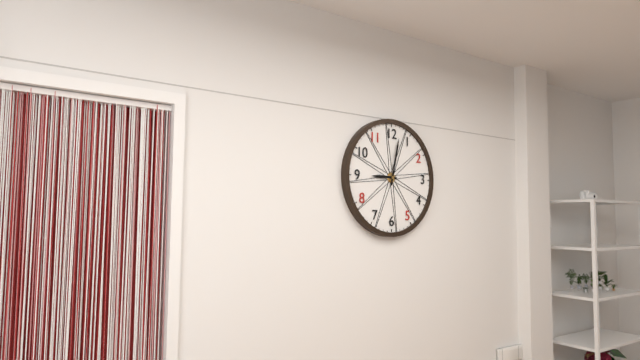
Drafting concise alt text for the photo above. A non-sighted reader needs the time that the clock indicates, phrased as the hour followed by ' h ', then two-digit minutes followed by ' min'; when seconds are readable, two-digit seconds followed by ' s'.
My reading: 9 h 02 min
